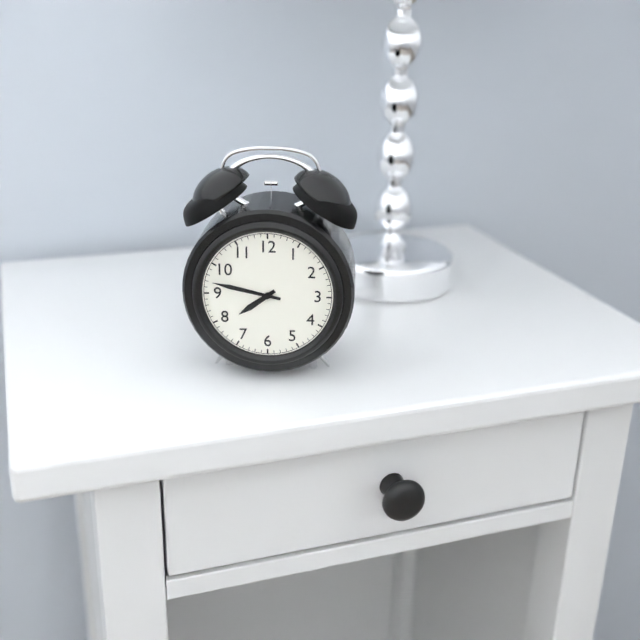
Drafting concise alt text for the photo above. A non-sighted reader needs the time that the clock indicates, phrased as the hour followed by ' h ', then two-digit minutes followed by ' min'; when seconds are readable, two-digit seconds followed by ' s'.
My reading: 7 h 47 min
